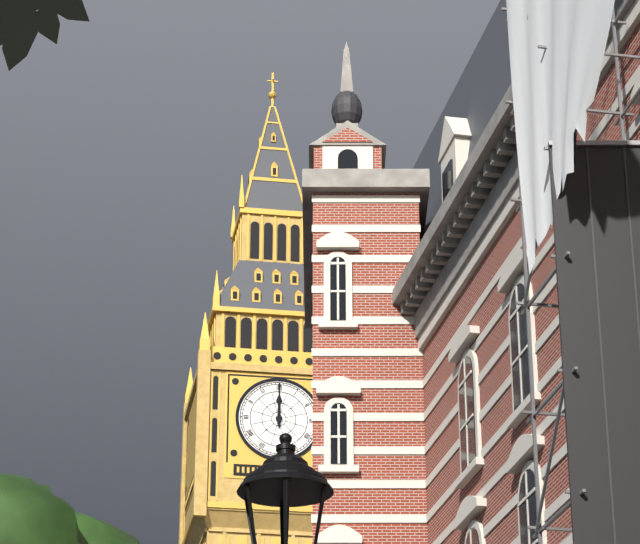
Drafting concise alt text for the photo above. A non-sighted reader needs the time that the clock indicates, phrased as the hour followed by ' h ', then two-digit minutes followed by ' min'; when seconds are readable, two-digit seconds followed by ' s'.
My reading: 12 h 00 min
